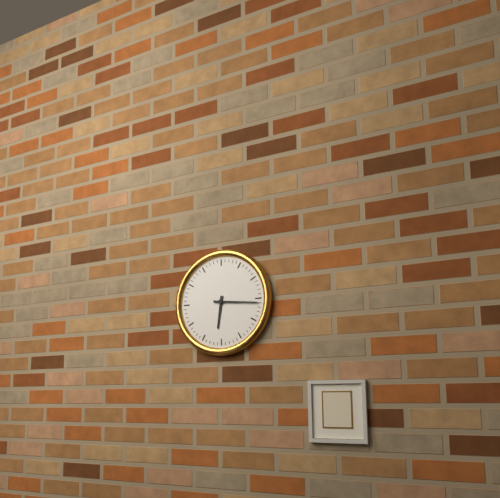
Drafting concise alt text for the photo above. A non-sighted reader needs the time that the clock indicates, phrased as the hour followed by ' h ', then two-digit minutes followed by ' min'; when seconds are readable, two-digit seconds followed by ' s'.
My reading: 6 h 16 min
